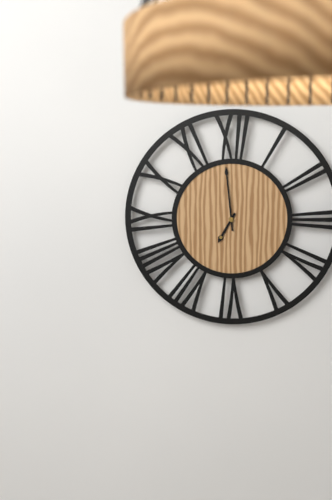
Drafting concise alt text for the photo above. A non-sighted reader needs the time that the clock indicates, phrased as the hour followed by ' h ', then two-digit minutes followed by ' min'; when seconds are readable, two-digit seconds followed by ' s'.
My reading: 6 h 59 min
